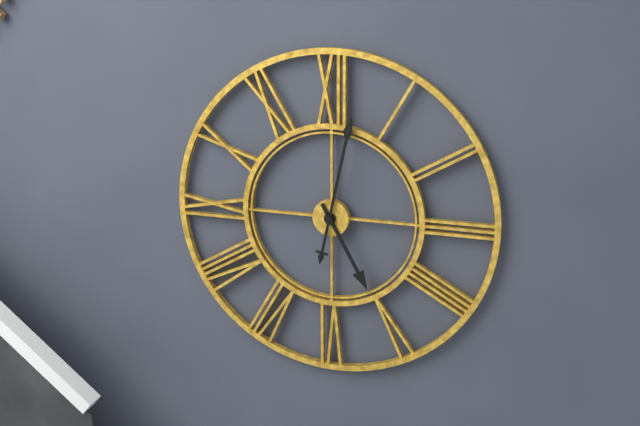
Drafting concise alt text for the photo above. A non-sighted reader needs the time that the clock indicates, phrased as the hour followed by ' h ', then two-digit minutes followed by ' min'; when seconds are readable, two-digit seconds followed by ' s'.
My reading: 5 h 02 min
